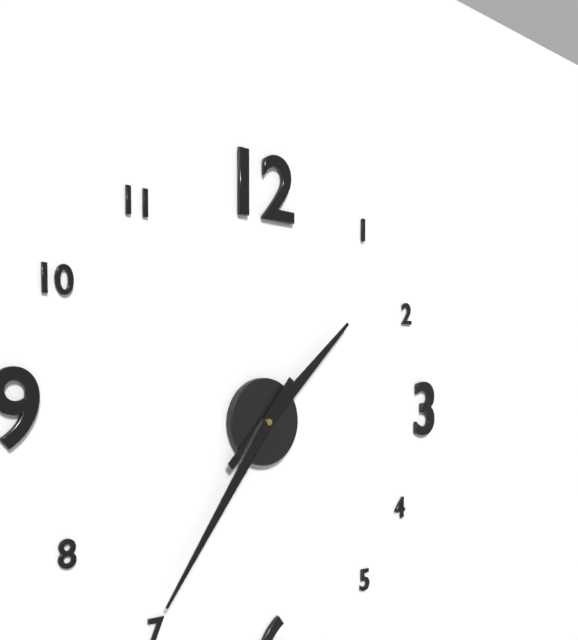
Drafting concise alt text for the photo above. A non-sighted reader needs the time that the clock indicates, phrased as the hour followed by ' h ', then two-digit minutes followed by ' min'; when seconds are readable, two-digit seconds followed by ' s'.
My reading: 1 h 36 min
